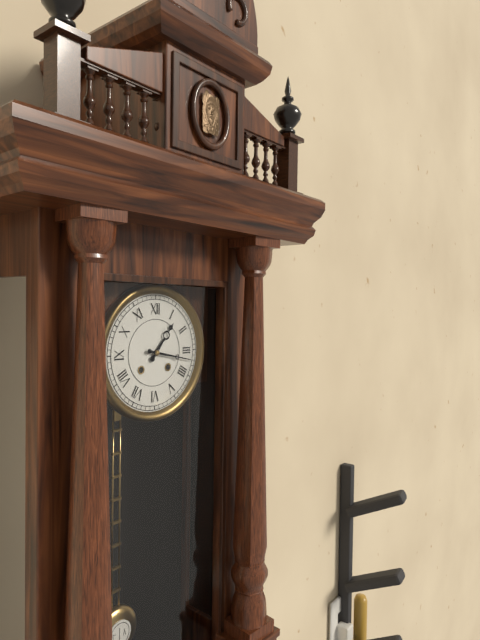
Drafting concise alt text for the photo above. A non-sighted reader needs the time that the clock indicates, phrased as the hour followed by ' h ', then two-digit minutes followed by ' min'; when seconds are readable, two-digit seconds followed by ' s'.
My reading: 1 h 17 min
